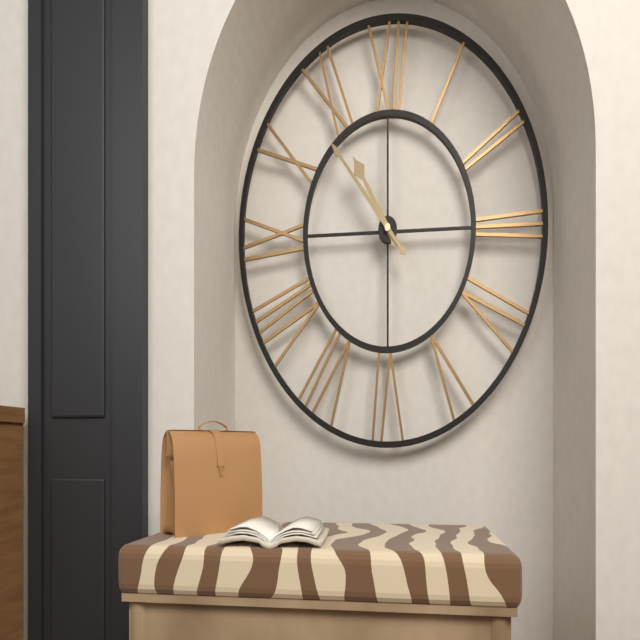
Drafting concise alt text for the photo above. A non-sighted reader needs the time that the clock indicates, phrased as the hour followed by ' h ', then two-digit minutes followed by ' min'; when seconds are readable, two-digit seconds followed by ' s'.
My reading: 10 h 53 min
